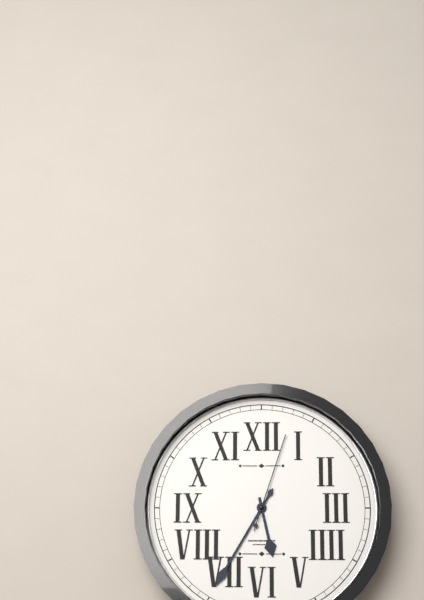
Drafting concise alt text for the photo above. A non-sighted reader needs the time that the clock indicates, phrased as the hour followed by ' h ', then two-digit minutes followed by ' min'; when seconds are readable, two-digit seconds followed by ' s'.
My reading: 5 h 35 min 03 s
